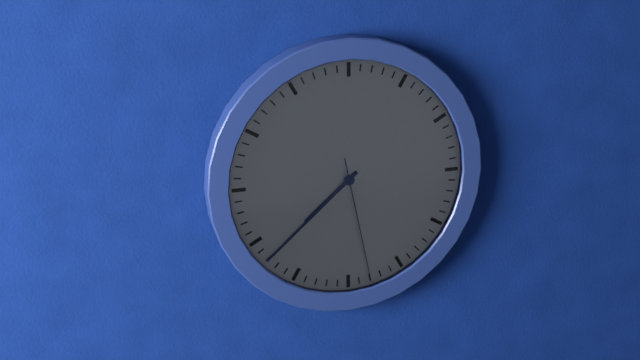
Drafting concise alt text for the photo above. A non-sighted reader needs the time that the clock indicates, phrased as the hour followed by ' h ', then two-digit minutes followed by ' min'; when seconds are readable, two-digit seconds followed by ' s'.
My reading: 7 h 38 min 28 s
